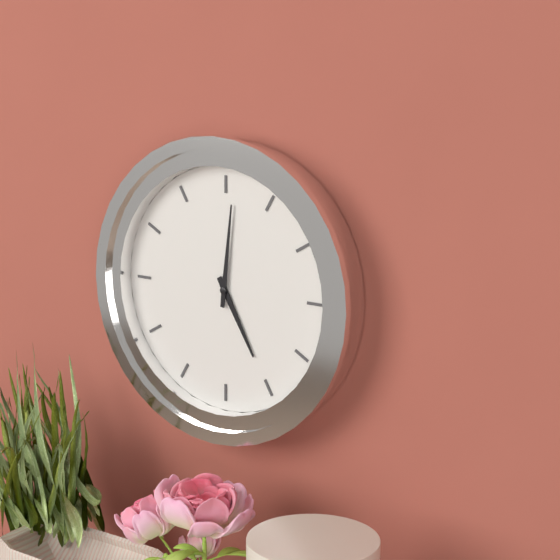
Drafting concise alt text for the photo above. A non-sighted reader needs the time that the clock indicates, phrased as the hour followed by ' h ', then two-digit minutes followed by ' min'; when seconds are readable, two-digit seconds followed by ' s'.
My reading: 5 h 01 min
